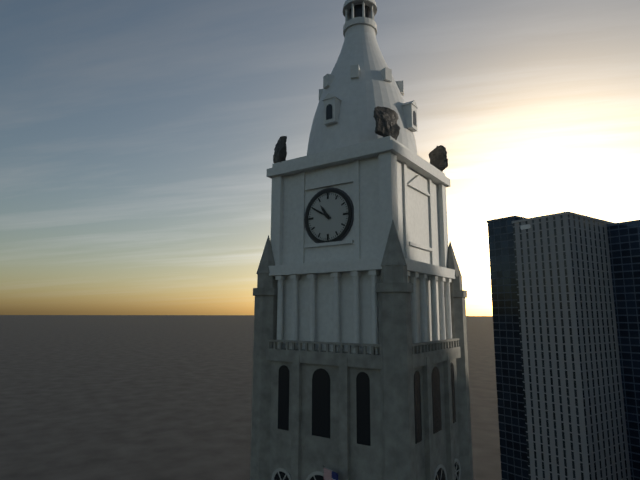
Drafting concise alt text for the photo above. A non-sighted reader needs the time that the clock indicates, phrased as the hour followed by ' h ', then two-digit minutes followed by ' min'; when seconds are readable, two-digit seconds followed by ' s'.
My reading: 10 h 50 min
